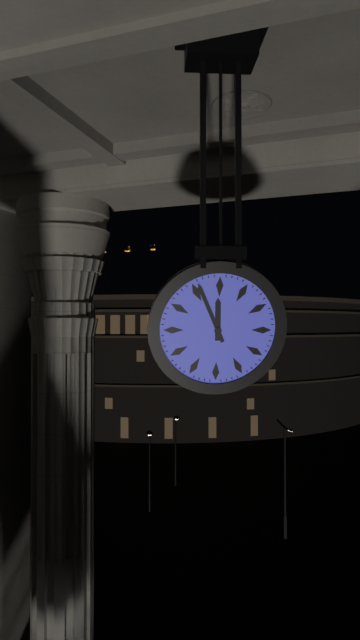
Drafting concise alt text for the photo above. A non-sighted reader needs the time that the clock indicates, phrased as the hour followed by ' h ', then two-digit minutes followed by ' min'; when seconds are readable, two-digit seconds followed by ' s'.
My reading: 11 h 56 min
